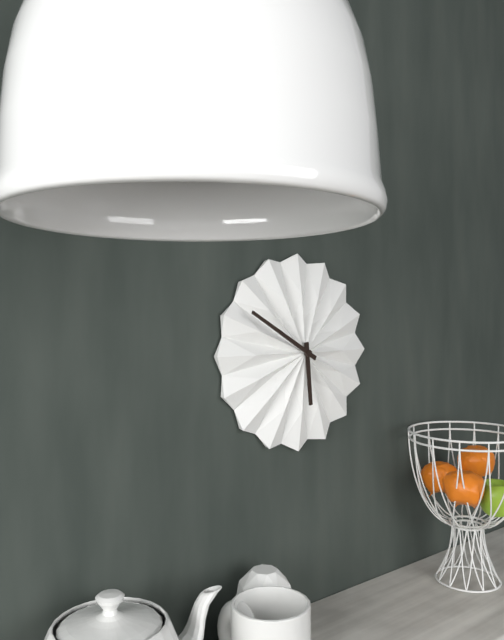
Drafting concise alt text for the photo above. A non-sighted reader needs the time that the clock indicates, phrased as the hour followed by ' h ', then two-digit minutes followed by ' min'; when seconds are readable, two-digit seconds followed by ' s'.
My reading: 5 h 50 min
